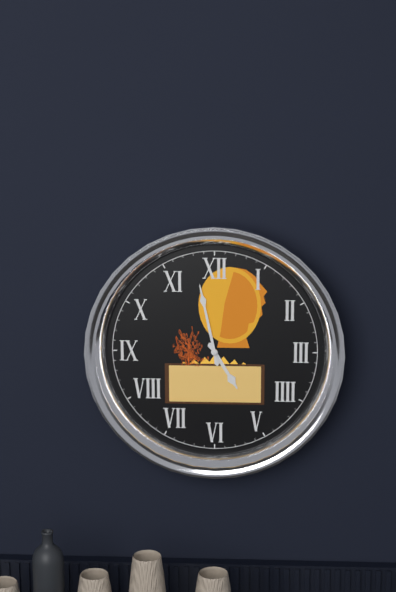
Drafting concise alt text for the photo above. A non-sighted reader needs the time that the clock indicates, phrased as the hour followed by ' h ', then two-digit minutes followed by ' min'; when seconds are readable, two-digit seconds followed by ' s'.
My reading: 4 h 58 min
